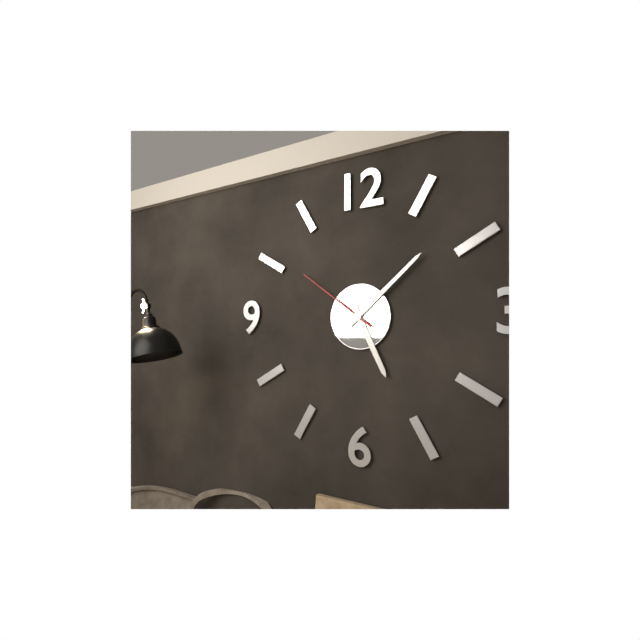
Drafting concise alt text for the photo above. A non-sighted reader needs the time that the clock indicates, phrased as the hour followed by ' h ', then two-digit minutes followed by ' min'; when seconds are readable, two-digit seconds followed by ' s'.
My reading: 5 h 08 min 51 s
